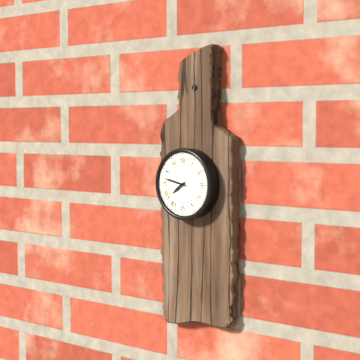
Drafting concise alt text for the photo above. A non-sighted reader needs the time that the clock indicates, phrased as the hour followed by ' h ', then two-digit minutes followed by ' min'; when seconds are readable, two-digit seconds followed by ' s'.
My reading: 7 h 47 min
